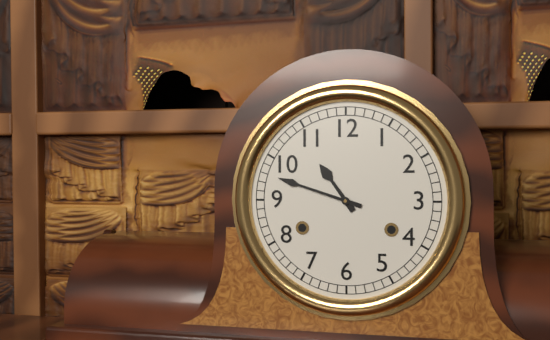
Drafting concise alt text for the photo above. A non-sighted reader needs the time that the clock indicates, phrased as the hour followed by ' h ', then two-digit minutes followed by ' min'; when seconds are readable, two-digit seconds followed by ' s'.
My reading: 10 h 48 min
